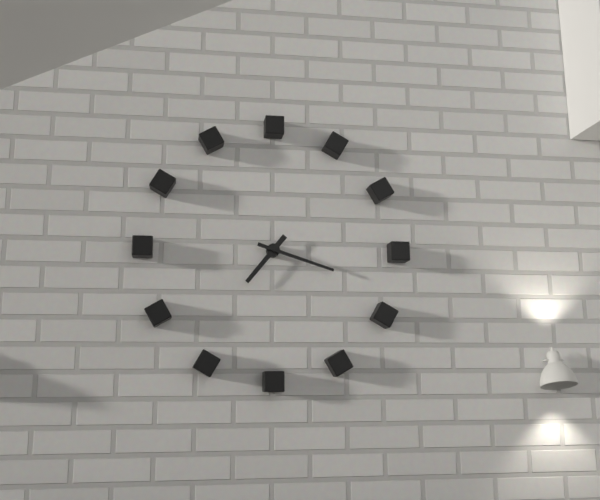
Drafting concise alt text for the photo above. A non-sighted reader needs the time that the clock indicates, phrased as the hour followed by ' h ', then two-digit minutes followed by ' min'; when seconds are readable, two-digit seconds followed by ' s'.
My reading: 7 h 18 min
